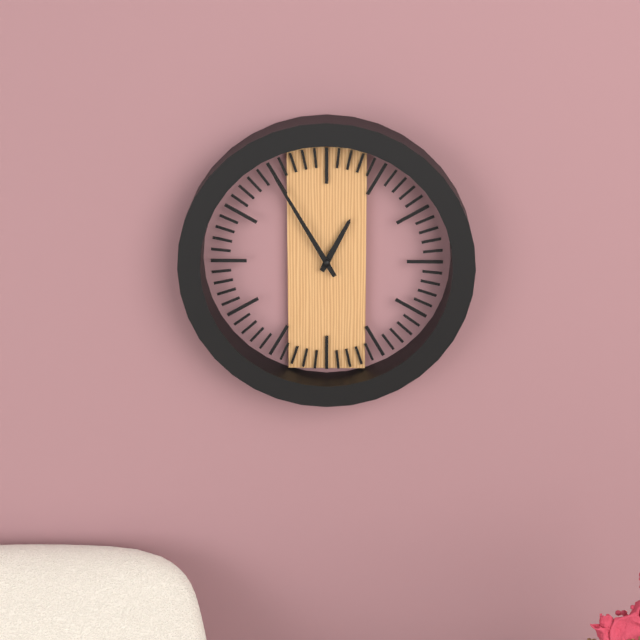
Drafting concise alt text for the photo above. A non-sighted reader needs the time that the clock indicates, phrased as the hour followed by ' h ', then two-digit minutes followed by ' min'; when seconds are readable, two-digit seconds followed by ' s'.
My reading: 12 h 55 min
